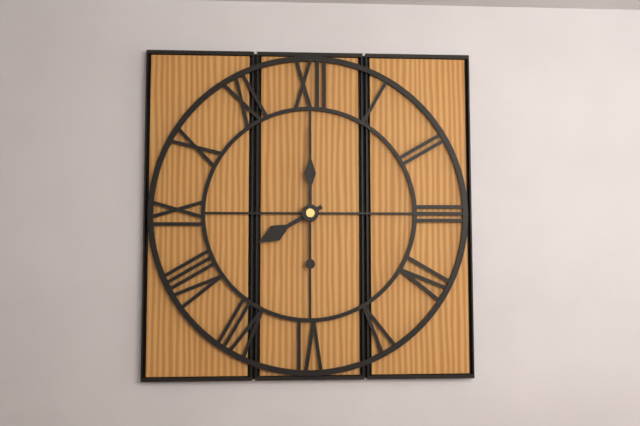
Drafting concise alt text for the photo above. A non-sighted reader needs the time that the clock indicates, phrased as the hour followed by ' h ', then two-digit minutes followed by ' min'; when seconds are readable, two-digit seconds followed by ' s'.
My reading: 8 h 00 min
